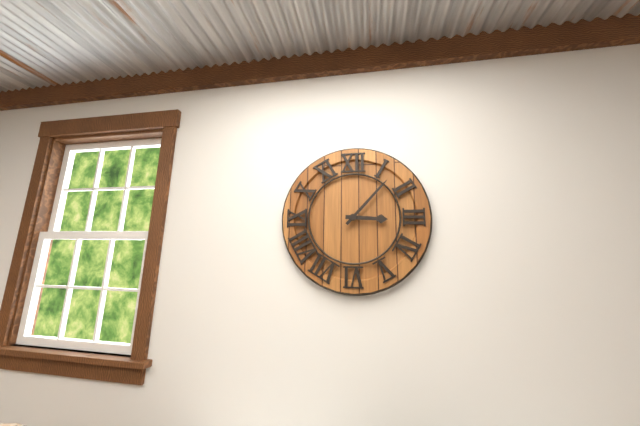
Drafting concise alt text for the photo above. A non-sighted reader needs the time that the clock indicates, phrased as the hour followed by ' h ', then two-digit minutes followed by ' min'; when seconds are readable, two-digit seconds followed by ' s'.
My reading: 3 h 07 min
